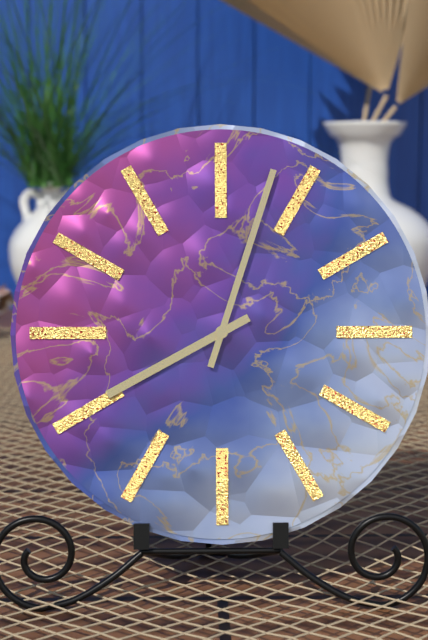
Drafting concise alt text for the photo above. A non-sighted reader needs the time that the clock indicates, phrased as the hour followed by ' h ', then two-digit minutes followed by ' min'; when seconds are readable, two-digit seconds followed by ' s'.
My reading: 8 h 03 min
